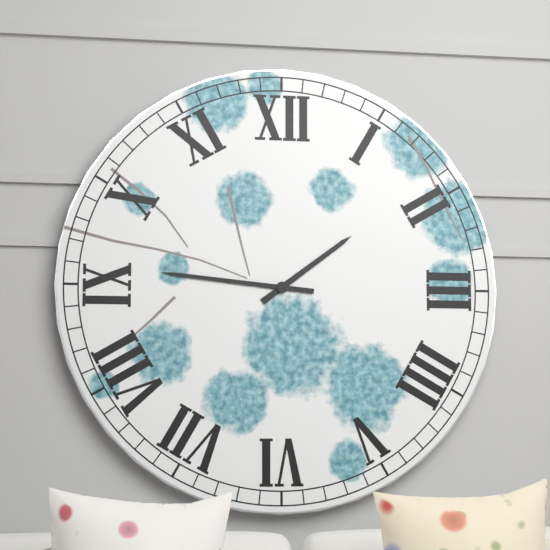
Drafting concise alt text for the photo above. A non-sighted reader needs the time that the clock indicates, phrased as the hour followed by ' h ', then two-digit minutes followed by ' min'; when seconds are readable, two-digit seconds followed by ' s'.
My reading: 1 h 46 min
